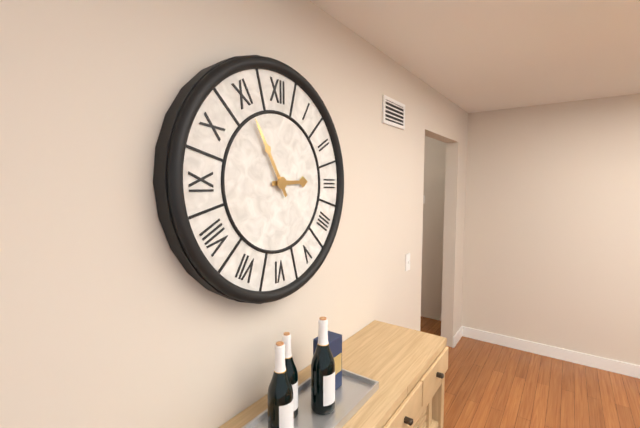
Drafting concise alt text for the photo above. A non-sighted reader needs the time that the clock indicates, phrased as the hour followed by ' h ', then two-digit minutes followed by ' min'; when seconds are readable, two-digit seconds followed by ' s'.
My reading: 2 h 55 min
